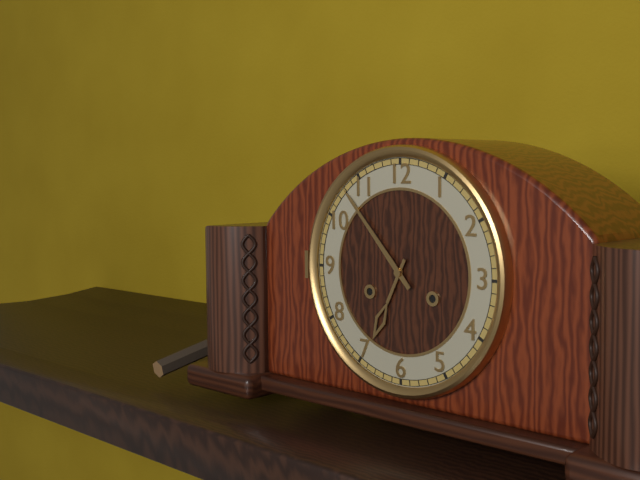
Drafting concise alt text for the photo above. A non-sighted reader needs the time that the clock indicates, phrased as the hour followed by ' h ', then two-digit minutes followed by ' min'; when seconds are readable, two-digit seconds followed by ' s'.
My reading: 6 h 53 min
